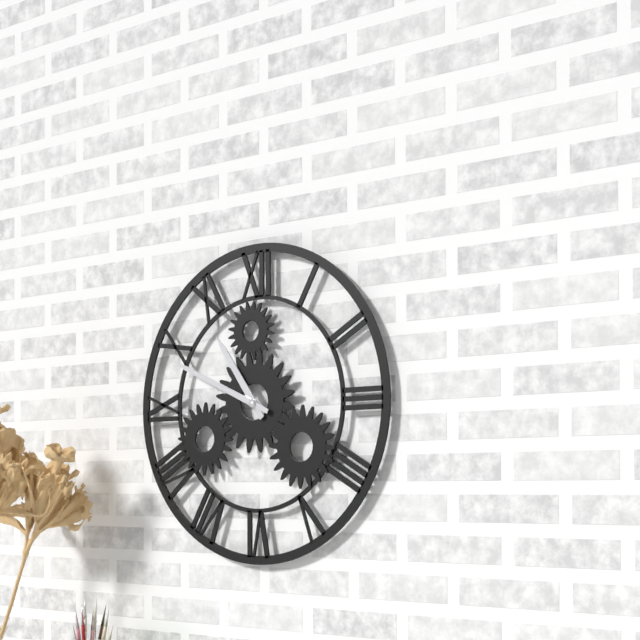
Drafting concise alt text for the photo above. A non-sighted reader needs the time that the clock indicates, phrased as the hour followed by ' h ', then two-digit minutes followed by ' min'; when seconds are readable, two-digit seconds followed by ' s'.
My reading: 10 h 49 min
